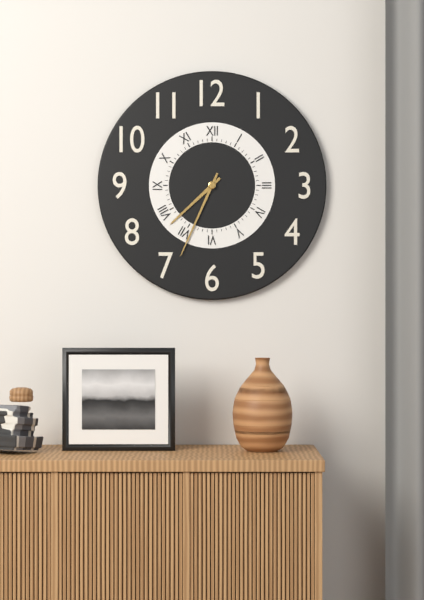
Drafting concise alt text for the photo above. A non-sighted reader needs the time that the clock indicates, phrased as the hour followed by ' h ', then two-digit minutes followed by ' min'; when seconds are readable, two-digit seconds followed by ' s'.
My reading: 7 h 34 min
